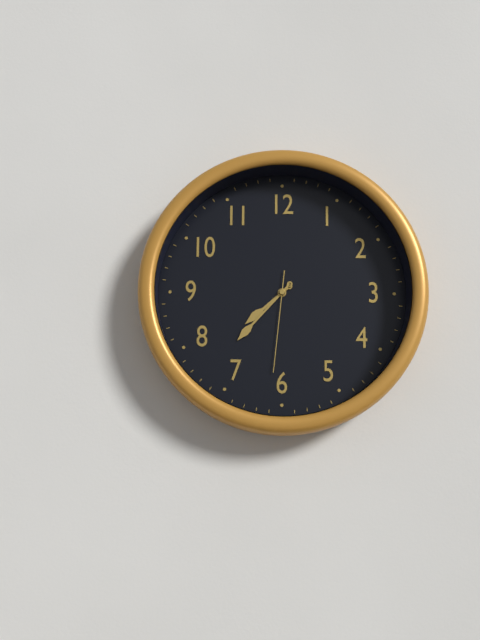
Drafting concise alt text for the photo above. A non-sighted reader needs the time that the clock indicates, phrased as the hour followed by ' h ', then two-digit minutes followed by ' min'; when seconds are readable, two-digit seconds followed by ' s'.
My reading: 7 h 37 min 31 s
